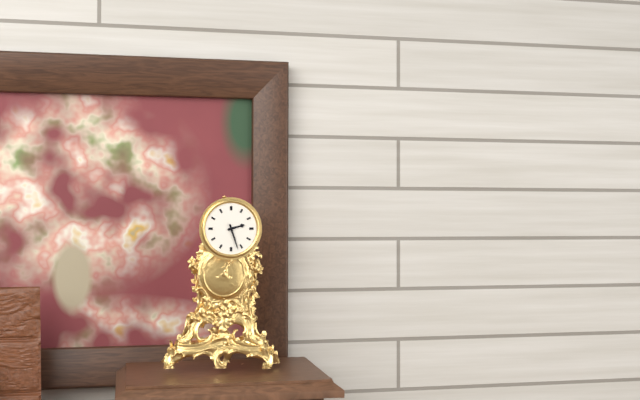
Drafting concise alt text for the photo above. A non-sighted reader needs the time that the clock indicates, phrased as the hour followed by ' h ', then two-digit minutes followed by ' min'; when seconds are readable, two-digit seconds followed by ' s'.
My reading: 2 h 27 min
